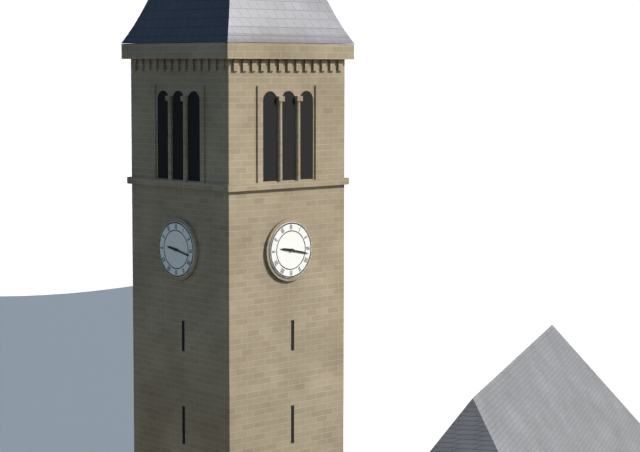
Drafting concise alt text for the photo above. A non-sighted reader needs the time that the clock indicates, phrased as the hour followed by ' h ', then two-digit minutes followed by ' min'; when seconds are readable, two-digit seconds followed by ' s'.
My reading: 9 h 17 min
